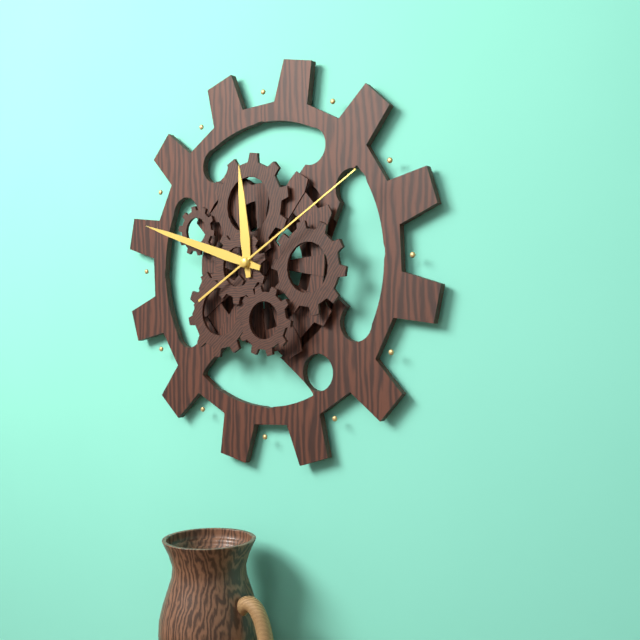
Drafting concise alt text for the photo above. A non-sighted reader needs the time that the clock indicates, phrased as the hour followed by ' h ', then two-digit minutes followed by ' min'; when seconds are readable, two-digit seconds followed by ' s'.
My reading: 11 h 48 min 10 s
